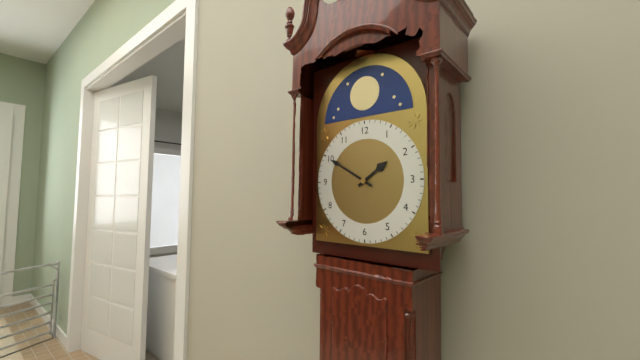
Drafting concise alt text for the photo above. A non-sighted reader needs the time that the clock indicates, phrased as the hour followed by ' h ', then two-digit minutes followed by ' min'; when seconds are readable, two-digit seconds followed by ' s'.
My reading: 1 h 50 min
